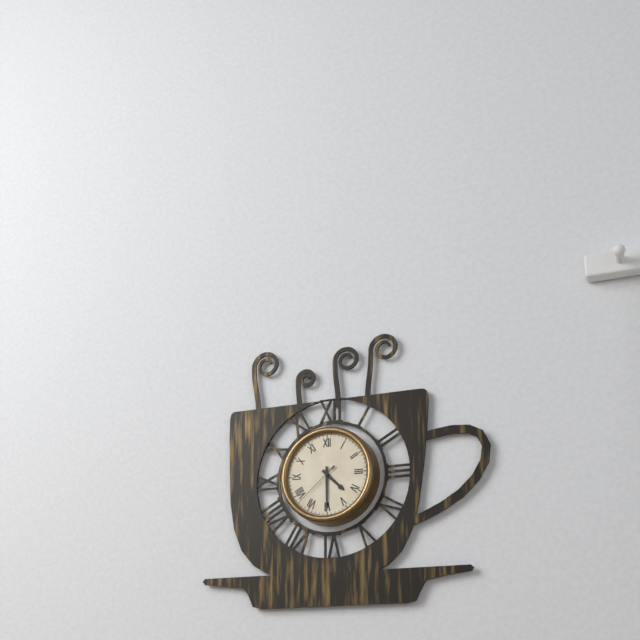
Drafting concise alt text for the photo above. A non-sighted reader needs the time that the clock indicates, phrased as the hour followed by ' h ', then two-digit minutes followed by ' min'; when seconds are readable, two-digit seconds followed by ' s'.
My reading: 4 h 30 min 38 s
